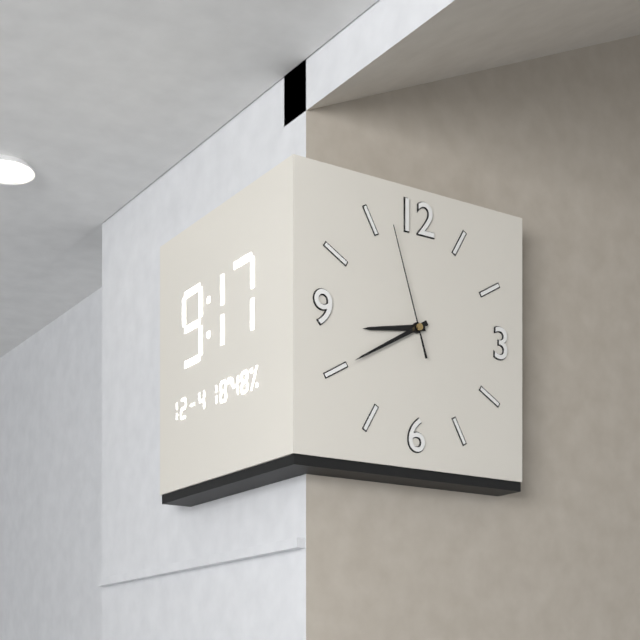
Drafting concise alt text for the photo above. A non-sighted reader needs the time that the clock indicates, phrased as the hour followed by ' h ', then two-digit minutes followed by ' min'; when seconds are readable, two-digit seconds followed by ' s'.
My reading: 8 h 40 min 57 s
